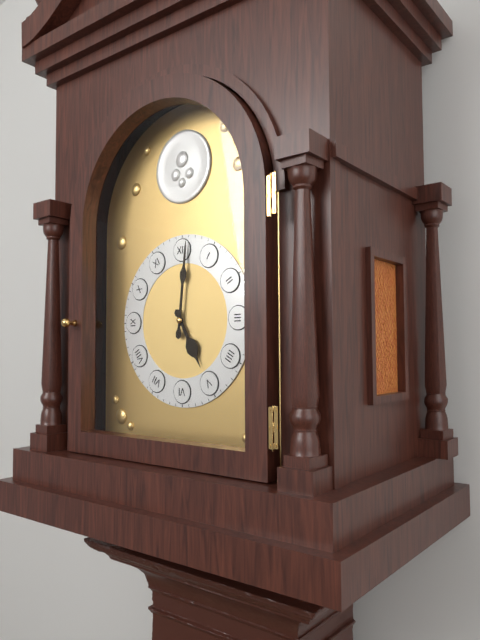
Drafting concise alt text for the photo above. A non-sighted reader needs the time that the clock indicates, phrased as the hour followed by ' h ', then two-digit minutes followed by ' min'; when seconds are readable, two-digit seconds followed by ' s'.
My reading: 5 h 01 min
